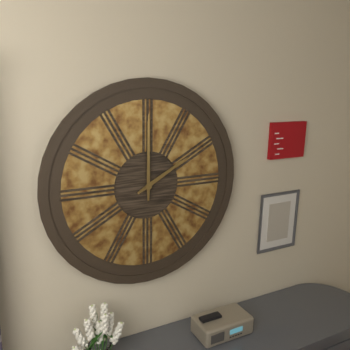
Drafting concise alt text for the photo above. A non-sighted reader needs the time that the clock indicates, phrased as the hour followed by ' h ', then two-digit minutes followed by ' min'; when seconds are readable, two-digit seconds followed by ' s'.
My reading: 2 h 00 min
